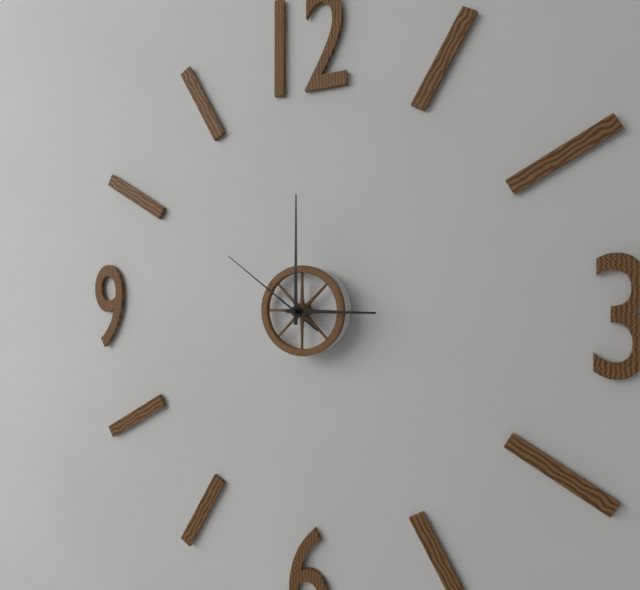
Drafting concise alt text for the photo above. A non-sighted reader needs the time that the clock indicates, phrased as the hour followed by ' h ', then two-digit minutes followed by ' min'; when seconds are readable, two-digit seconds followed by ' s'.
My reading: 3 h 00 min 51 s
